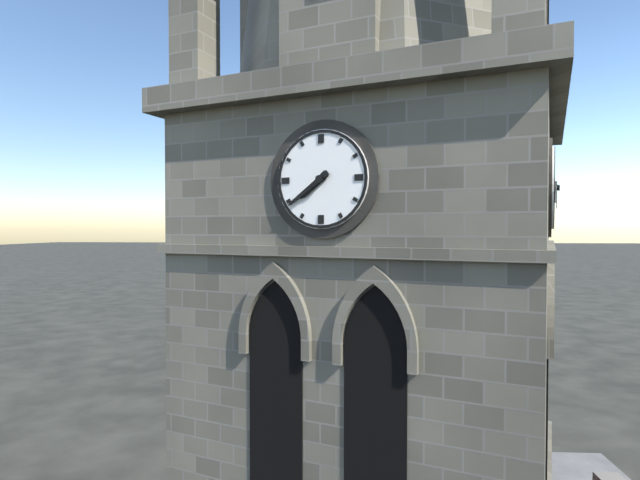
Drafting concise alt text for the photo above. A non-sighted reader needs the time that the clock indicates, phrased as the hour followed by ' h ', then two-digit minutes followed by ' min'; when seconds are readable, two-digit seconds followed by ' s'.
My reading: 7 h 39 min
